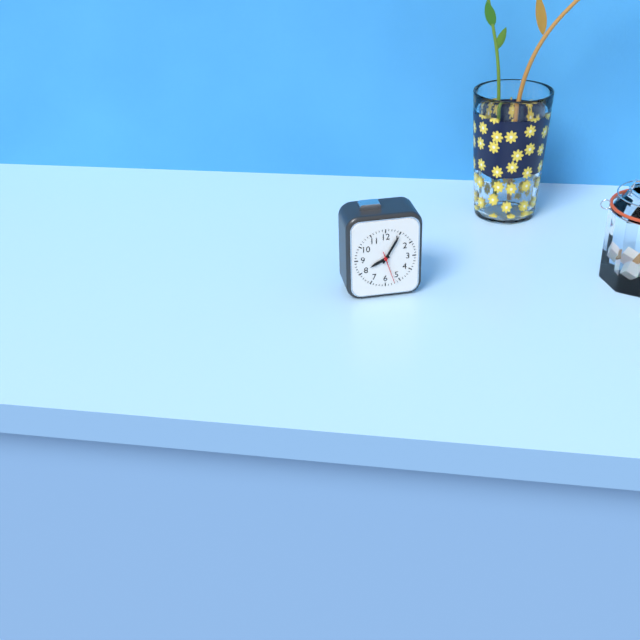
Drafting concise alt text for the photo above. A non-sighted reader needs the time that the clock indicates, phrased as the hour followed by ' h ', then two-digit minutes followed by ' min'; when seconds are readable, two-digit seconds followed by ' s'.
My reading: 8 h 05 min
